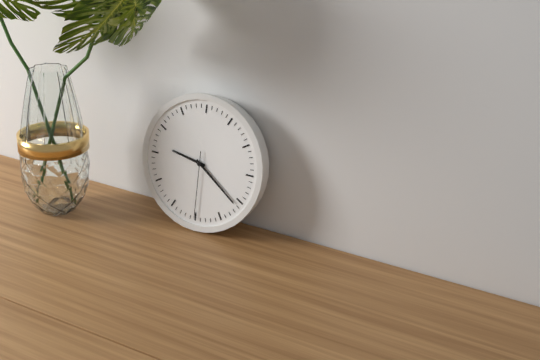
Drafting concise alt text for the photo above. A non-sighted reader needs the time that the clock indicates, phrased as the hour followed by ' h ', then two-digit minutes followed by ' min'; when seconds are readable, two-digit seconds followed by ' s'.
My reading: 9 h 21 min 30 s
